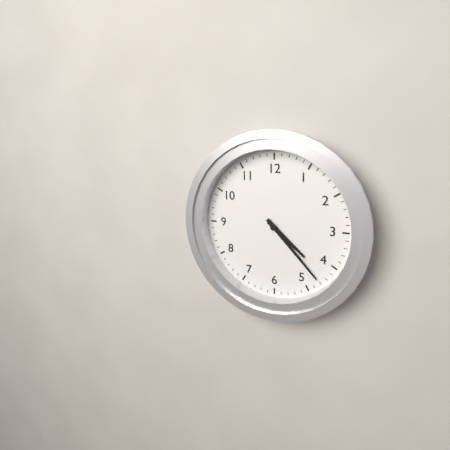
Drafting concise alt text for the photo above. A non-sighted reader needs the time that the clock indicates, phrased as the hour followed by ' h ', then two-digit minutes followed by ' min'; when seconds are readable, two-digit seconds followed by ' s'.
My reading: 4 h 23 min
